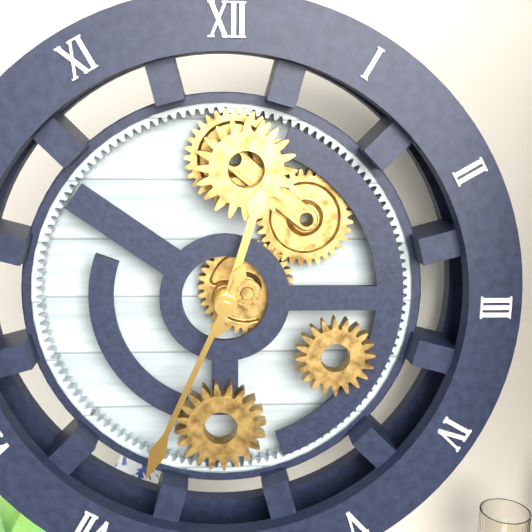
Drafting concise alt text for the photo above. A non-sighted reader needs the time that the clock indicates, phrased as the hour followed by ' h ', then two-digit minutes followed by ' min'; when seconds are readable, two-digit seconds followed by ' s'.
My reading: 12 h 34 min
